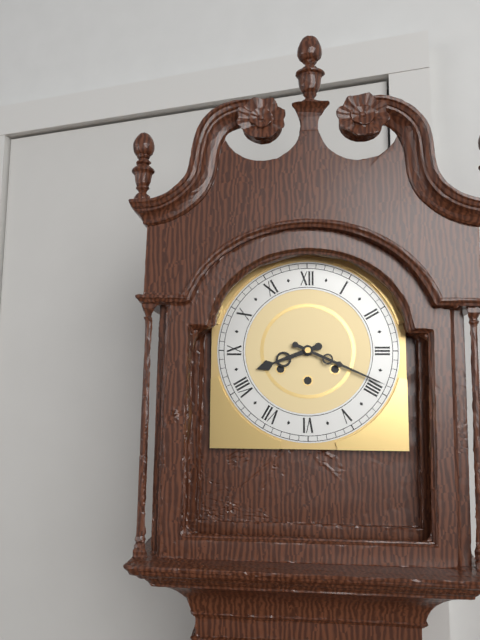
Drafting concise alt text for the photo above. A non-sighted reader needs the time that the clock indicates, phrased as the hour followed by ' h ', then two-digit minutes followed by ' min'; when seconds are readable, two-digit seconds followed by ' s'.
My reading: 8 h 19 min
